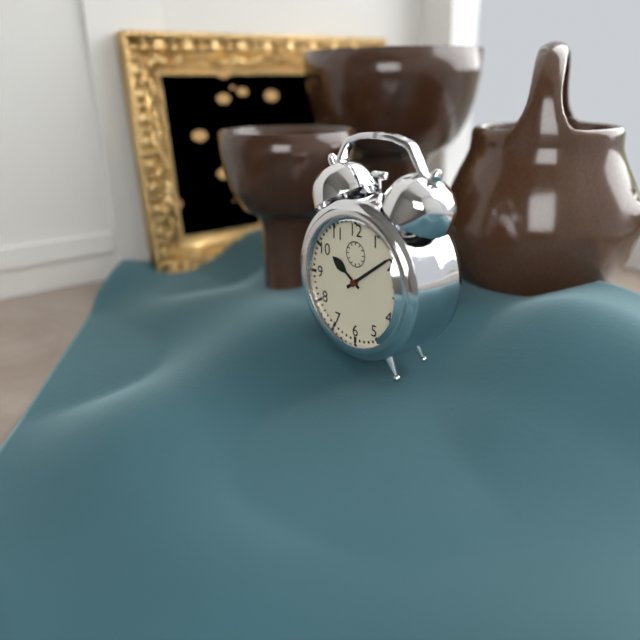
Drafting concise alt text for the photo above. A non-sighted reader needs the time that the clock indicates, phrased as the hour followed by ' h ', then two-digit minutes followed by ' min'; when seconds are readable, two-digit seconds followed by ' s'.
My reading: 10 h 09 min
